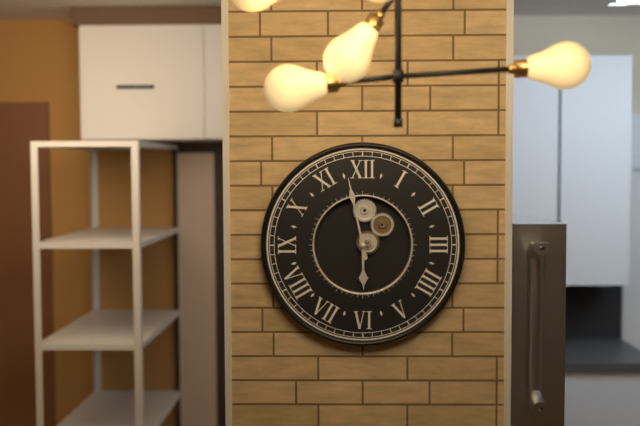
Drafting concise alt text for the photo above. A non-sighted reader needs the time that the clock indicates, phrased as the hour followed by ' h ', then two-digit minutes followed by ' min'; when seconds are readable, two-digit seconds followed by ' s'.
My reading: 5 h 58 min
